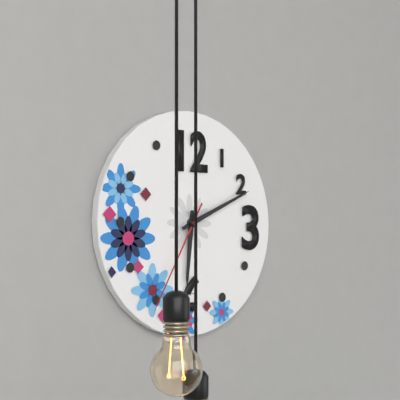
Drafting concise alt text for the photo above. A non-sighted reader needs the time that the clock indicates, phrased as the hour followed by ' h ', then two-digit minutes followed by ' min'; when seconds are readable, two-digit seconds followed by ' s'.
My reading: 6 h 11 min 35 s
